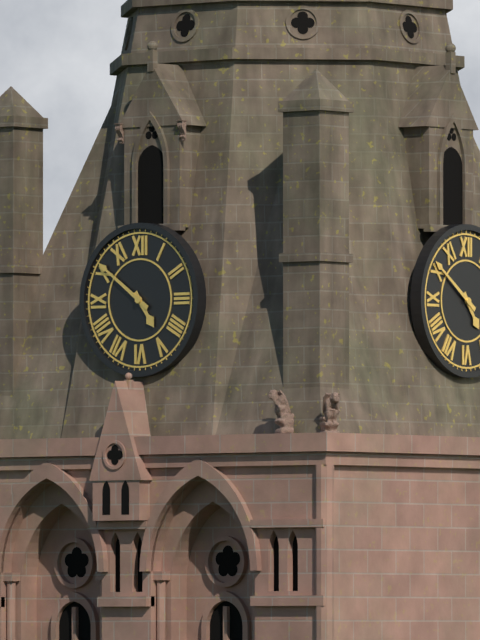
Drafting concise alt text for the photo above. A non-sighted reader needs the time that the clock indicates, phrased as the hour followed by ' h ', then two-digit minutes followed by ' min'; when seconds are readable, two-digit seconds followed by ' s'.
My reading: 4 h 51 min
